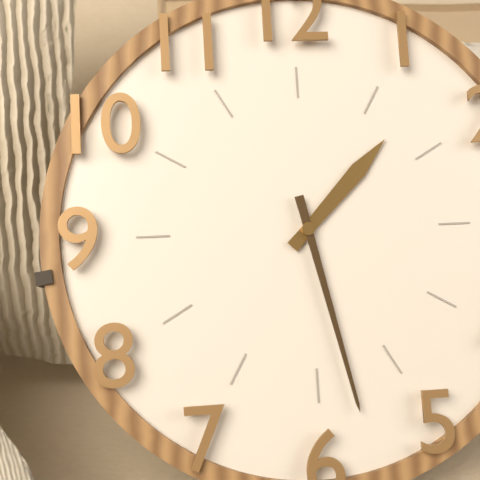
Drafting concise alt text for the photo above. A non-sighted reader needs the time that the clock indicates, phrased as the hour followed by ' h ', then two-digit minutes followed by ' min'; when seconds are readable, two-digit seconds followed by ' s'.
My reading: 1 h 28 min
